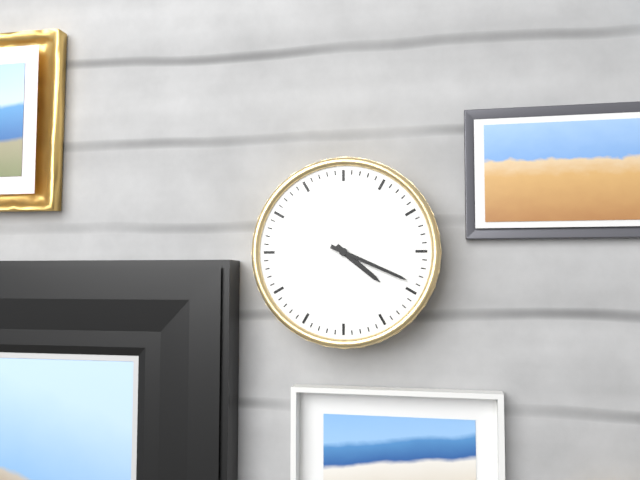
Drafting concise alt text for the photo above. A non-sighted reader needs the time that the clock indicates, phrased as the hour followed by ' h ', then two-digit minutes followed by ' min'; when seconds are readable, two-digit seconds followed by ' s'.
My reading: 4 h 19 min
